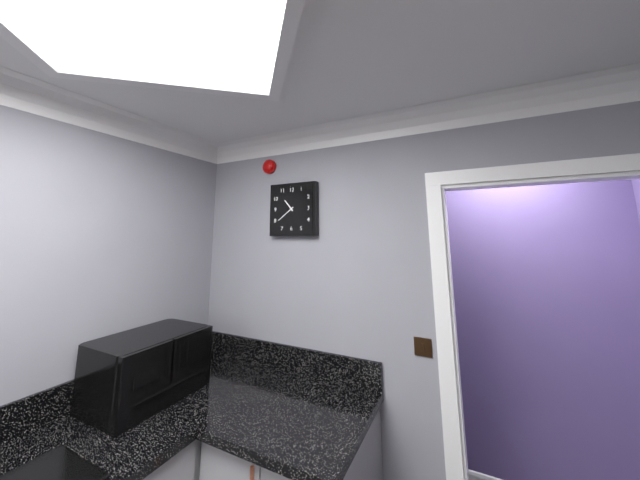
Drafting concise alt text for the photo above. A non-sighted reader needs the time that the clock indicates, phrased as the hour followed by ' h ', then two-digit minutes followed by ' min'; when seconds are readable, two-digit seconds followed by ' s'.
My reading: 10 h 39 min
